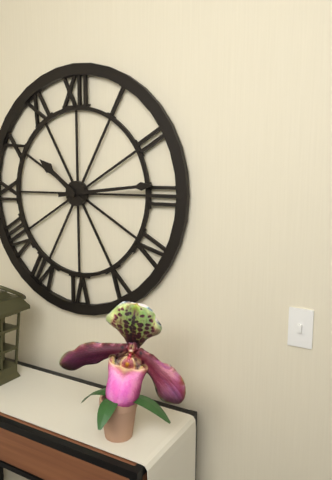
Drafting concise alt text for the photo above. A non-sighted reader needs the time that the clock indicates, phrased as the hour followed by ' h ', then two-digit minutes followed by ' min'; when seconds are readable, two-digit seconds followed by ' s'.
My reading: 10 h 14 min
